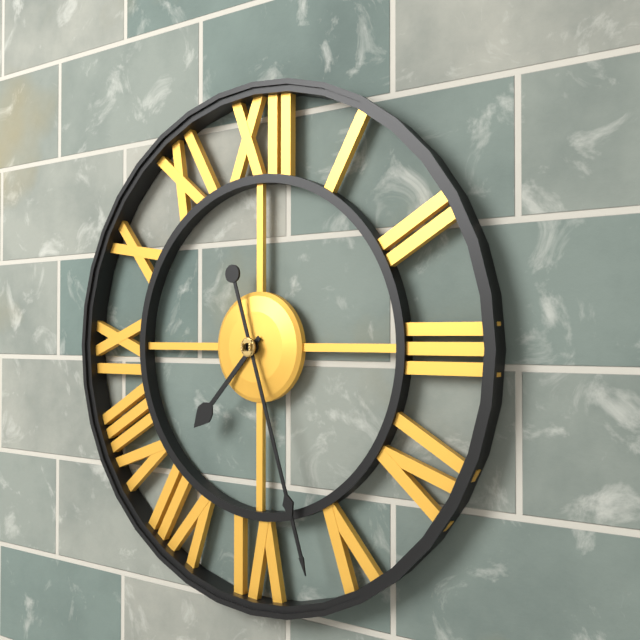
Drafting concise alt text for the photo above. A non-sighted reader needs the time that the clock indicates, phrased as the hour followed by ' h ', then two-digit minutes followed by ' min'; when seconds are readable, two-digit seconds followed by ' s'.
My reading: 7 h 27 min
